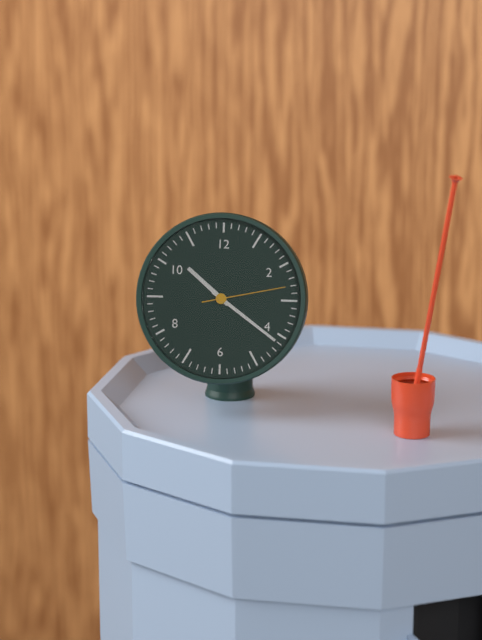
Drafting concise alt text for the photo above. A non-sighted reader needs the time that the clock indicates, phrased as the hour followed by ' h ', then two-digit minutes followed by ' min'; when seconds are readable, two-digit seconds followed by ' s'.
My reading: 10 h 21 min 13 s
